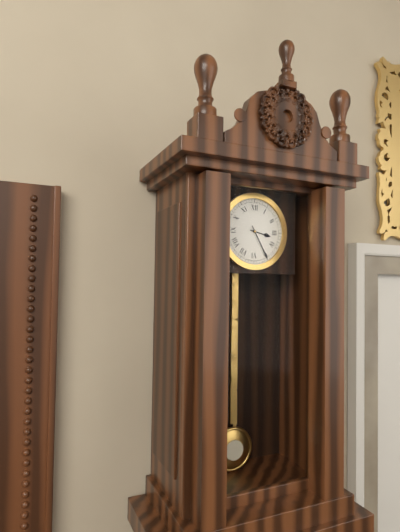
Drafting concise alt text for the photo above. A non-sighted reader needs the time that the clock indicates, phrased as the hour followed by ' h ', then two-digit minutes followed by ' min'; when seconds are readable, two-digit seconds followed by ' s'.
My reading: 3 h 25 min
